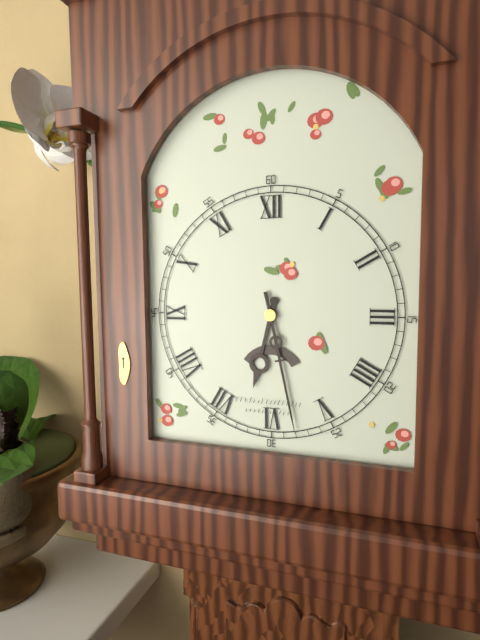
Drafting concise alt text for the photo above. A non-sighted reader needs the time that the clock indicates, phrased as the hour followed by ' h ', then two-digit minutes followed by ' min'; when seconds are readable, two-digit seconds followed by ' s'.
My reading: 6 h 28 min
